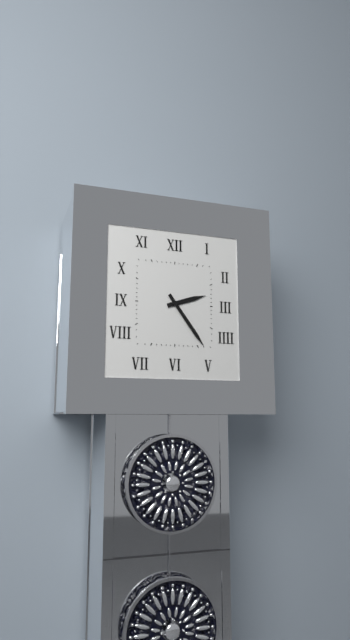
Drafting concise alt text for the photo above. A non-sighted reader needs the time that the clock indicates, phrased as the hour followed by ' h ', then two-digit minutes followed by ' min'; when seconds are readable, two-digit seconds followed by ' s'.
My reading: 2 h 24 min
